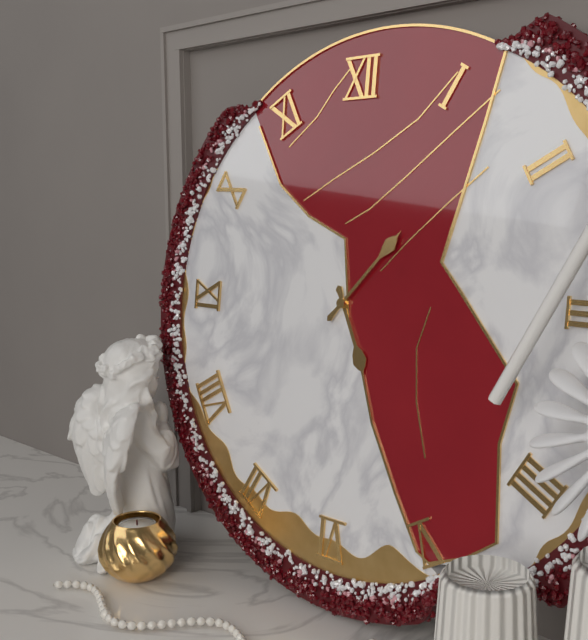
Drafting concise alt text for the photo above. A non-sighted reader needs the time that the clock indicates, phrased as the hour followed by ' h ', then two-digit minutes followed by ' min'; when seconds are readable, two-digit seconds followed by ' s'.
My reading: 5 h 07 min
